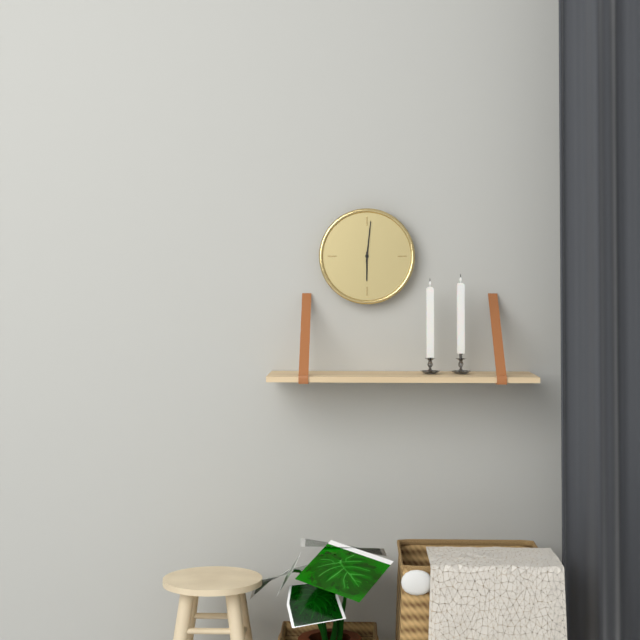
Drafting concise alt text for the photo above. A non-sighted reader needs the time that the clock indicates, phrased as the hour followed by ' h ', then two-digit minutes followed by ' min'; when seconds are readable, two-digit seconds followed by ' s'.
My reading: 6 h 01 min
